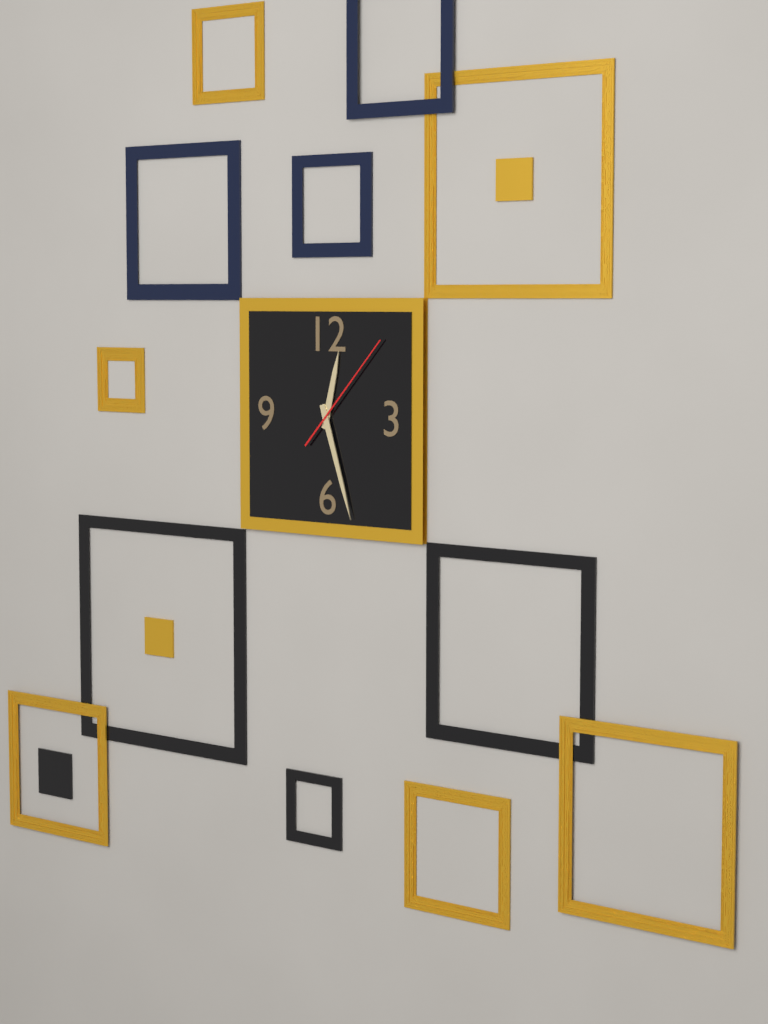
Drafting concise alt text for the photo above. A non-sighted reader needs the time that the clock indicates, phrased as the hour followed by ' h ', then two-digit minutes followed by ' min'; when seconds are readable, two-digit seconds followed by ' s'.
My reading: 12 h 27 min 07 s
